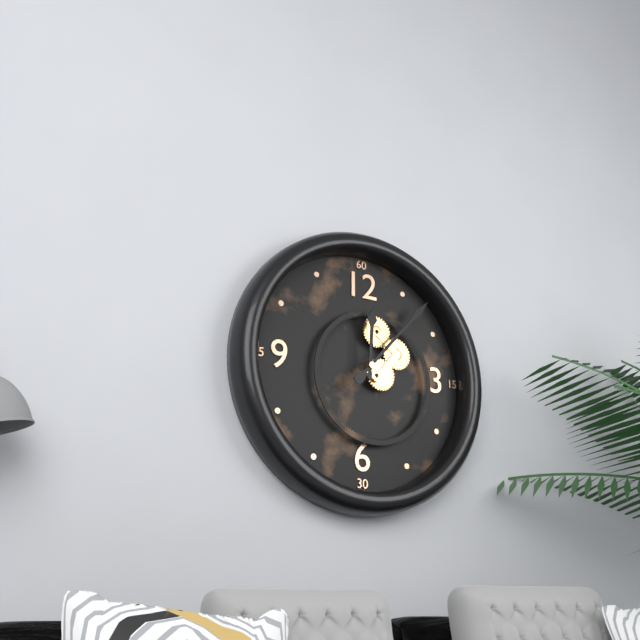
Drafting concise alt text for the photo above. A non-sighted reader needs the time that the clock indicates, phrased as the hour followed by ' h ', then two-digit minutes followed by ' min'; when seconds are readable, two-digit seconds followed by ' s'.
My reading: 12 h 07 min
